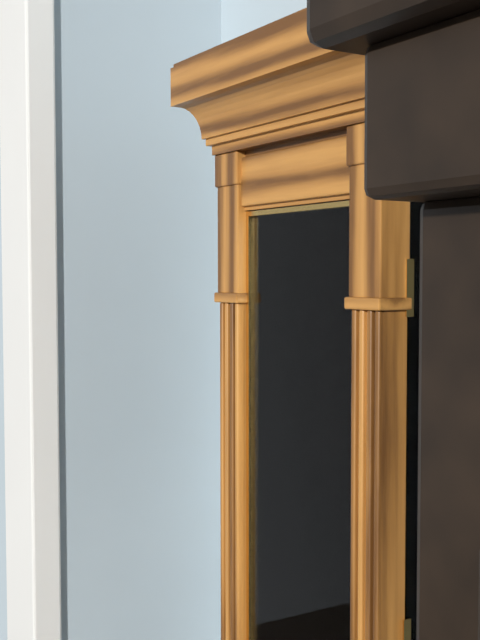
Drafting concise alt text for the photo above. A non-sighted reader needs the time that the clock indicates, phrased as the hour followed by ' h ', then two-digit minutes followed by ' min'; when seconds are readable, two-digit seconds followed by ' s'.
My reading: 1 h 02 min
